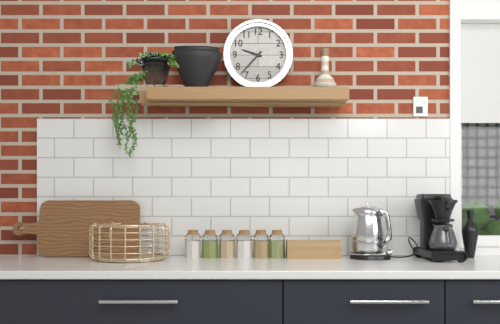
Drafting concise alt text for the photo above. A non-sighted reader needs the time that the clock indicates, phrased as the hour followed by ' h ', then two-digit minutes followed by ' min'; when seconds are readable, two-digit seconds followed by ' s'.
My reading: 9 h 37 min
